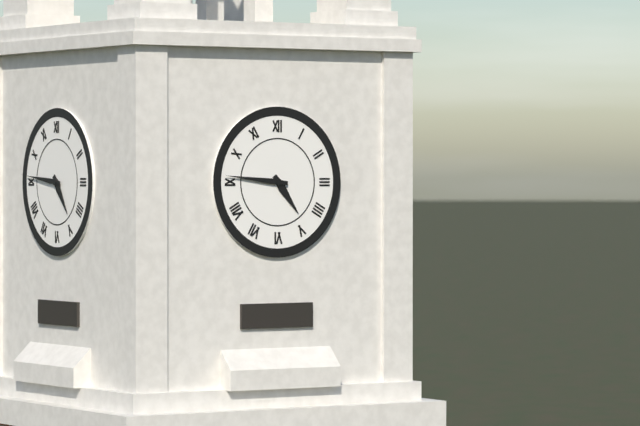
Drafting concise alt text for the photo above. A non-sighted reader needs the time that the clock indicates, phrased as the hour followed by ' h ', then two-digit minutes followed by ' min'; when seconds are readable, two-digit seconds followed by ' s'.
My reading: 4 h 46 min
